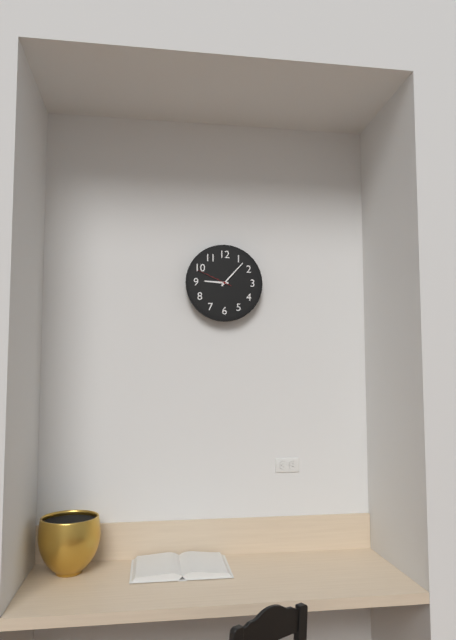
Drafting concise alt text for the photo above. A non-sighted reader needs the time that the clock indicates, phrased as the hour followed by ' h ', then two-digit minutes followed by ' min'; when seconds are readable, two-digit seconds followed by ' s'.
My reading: 9 h 07 min
